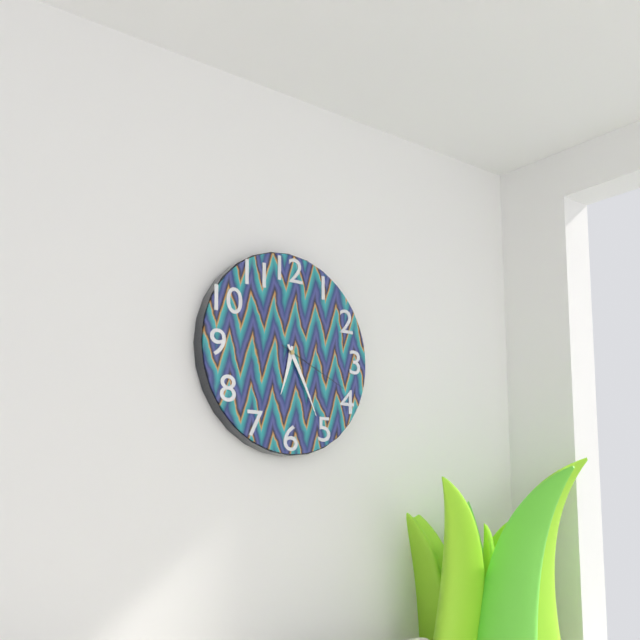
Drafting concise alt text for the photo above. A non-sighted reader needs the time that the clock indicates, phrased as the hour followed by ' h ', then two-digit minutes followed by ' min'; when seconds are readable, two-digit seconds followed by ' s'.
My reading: 6 h 25 min 19 s
